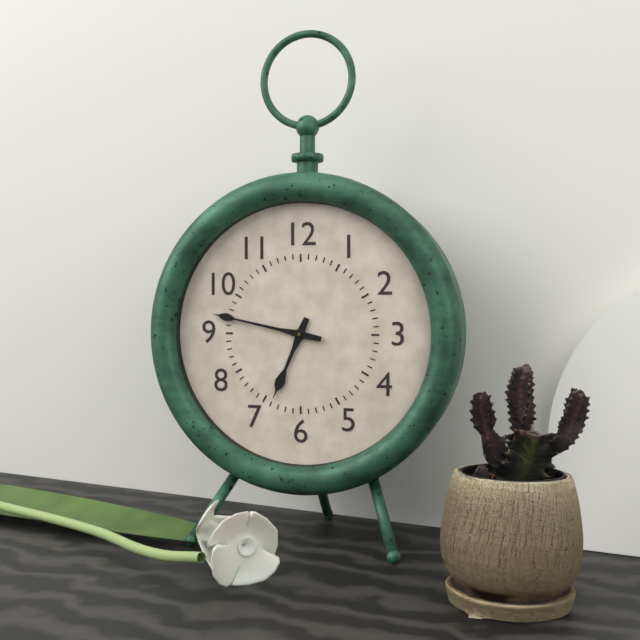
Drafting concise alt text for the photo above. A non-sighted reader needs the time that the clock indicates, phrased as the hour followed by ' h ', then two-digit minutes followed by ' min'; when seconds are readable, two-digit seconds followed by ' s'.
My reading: 6 h 47 min
